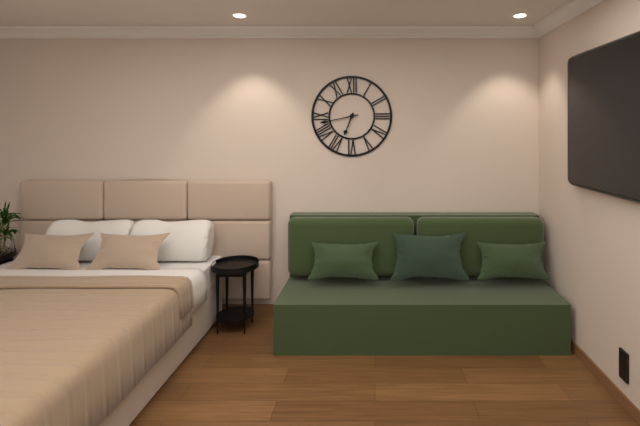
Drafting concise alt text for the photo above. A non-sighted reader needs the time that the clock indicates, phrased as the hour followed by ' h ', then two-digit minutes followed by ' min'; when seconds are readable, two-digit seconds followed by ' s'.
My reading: 6 h 43 min
